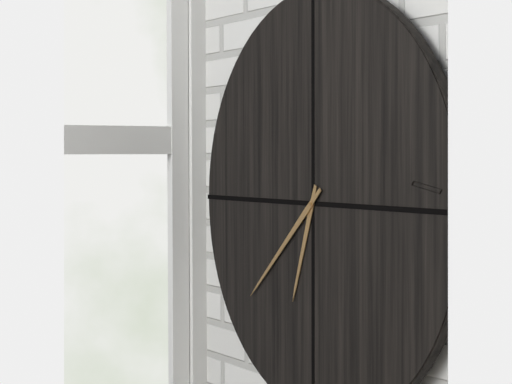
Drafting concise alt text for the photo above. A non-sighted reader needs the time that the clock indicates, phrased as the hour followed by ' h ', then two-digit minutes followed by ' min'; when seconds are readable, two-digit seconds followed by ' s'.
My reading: 6 h 38 min
